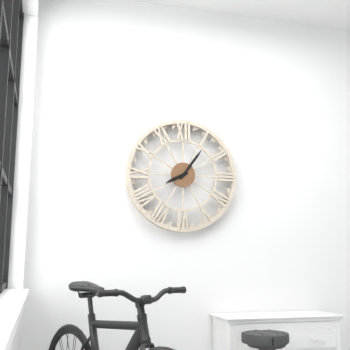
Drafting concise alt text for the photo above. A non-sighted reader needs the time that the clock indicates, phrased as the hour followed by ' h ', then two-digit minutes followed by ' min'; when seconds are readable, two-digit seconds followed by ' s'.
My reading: 8 h 06 min
